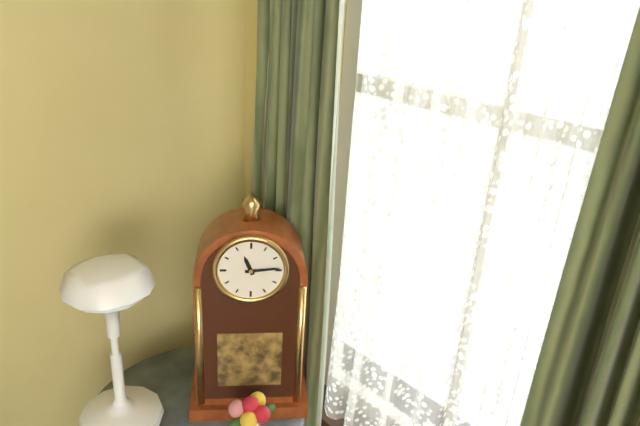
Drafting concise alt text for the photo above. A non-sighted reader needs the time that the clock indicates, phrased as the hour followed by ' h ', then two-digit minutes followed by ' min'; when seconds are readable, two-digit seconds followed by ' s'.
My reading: 11 h 14 min
